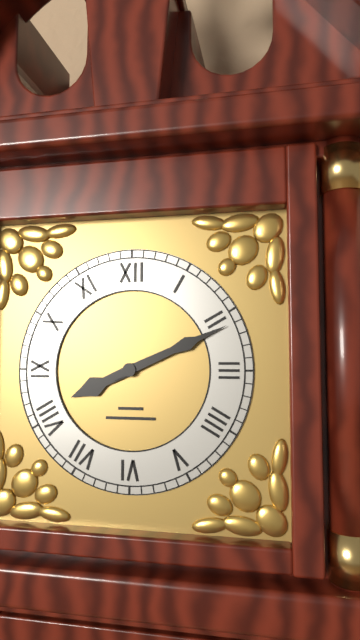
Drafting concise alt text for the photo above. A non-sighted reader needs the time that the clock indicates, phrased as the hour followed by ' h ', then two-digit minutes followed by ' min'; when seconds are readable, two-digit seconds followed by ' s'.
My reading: 8 h 11 min
